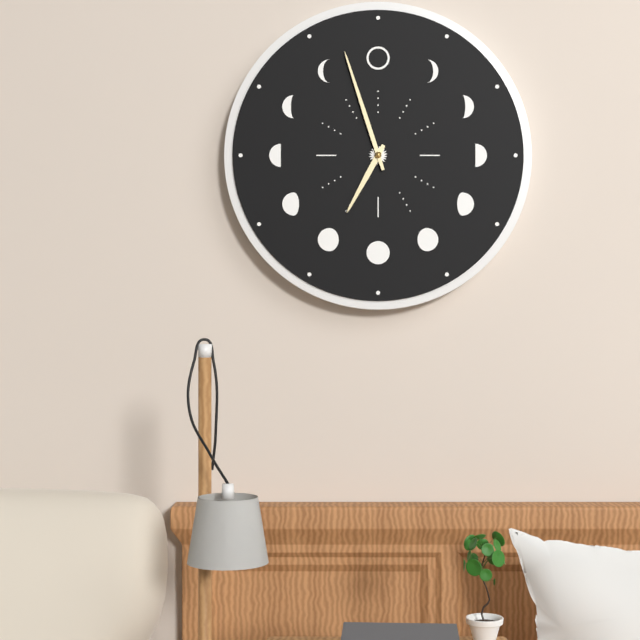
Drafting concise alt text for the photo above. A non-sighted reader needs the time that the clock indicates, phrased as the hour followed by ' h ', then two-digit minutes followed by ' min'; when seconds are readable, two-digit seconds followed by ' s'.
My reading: 6 h 57 min
